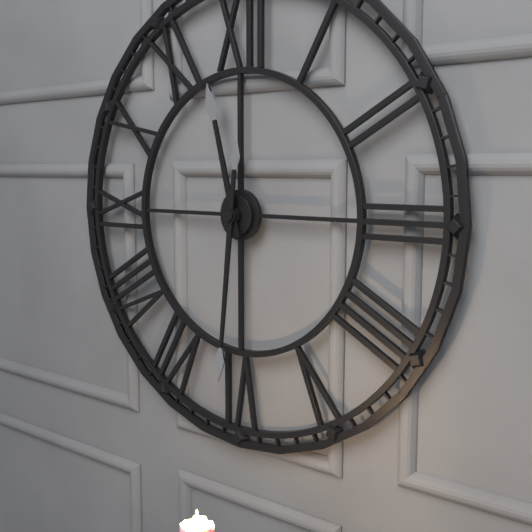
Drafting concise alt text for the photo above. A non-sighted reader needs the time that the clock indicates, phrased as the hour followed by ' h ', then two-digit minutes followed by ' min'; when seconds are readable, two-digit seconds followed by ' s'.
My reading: 11 h 31 min
